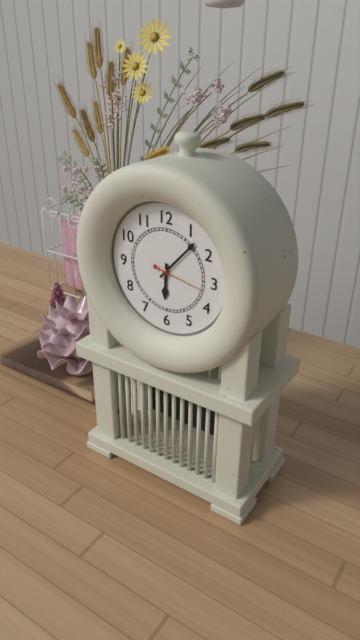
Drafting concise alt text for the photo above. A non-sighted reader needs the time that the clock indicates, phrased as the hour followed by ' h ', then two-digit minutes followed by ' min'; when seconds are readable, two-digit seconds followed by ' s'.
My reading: 6 h 07 min 17 s
